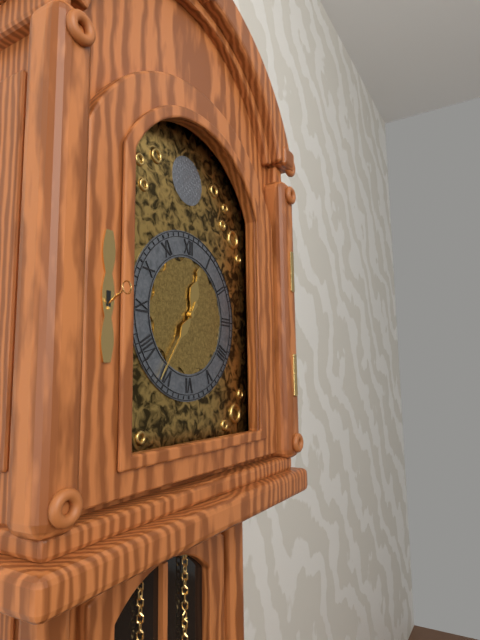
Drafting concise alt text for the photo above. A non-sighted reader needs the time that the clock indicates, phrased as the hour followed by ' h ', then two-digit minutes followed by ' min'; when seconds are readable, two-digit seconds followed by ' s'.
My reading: 12 h 36 min
